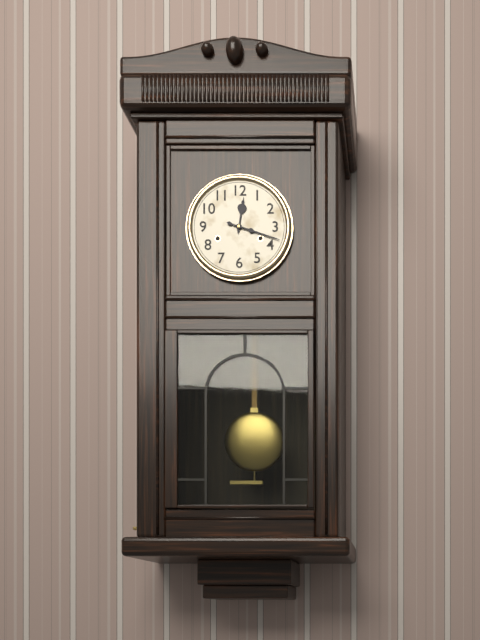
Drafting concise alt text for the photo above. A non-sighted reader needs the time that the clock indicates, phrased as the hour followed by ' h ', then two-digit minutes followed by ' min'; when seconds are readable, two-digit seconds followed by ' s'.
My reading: 12 h 18 min
